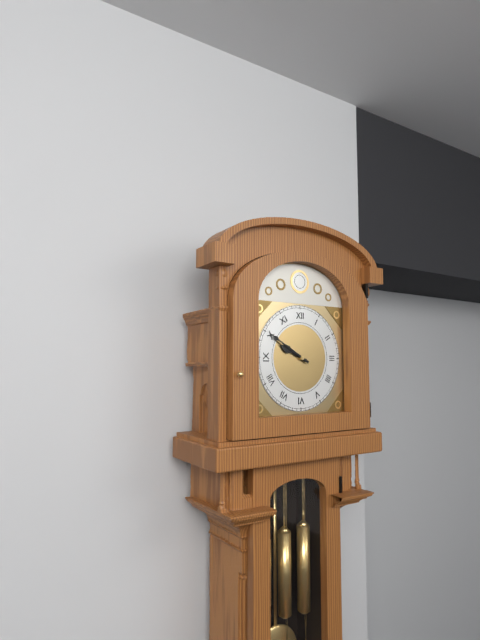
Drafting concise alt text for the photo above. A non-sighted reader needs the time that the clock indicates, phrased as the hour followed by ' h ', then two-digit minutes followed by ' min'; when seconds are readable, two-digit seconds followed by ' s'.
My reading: 9 h 50 min
